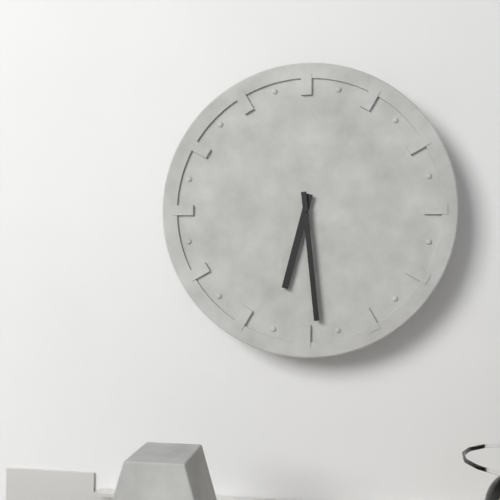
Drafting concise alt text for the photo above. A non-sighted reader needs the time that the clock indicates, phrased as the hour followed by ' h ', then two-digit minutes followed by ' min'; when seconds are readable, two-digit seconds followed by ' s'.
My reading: 6 h 29 min
